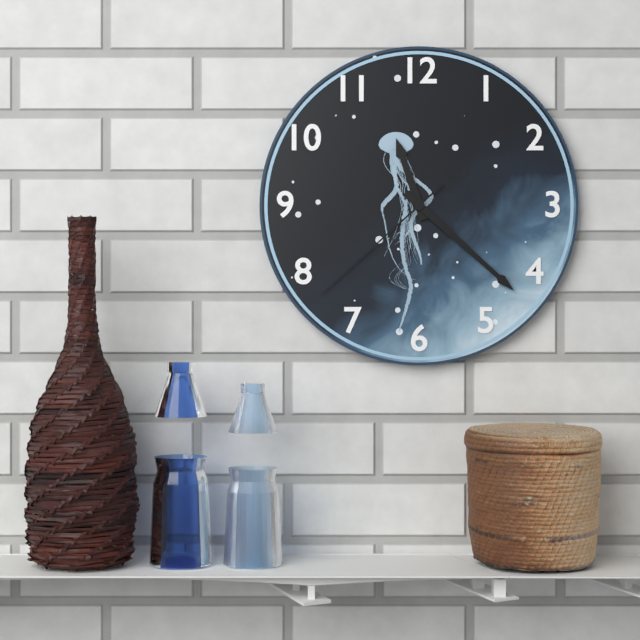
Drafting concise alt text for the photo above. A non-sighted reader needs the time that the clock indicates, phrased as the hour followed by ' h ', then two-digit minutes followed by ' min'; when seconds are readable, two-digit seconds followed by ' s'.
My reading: 11 h 22 min 38 s
